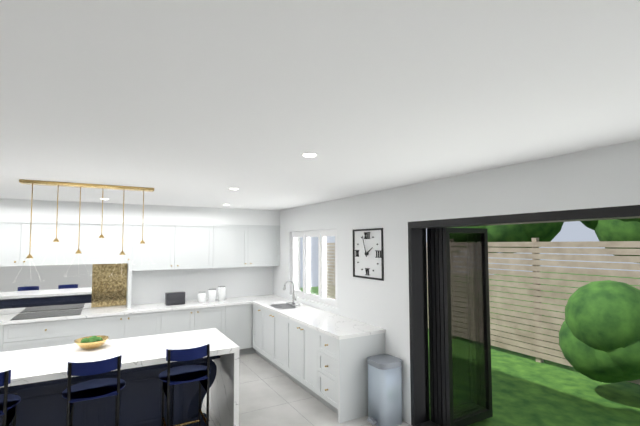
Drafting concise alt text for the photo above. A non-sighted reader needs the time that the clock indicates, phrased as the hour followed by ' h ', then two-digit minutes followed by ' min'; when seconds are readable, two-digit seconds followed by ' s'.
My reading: 1 h 57 min
